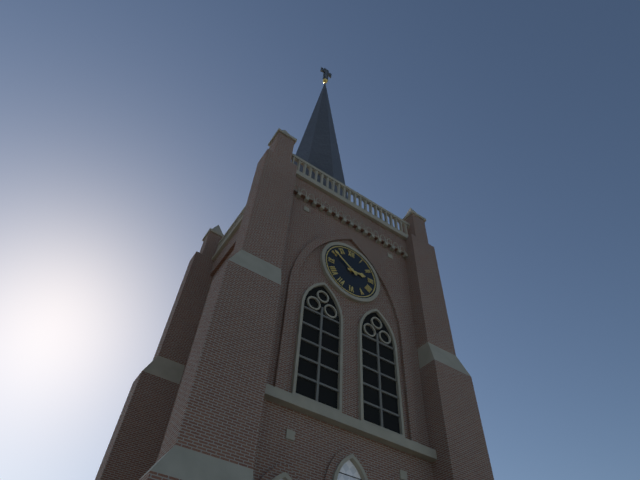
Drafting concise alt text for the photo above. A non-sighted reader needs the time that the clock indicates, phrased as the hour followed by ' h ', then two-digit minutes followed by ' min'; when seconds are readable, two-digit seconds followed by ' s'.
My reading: 2 h 51 min
